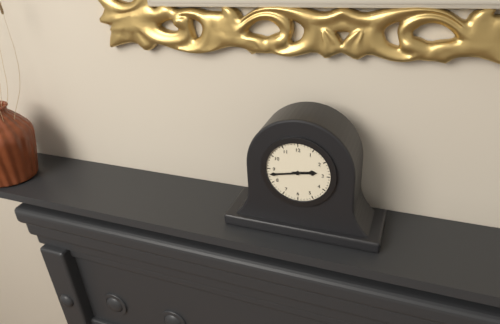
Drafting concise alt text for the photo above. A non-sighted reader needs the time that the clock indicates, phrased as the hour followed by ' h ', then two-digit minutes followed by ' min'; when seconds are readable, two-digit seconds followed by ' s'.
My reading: 2 h 43 min
